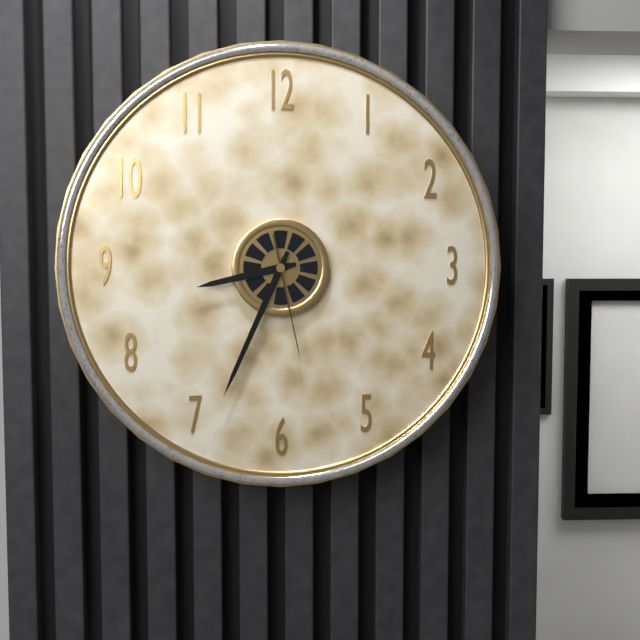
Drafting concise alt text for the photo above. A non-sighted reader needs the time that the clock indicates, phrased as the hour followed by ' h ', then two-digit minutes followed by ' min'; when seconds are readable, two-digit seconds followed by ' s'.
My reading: 8 h 34 min 28 s
